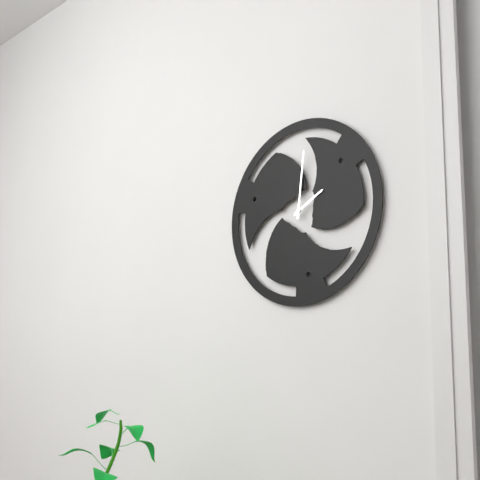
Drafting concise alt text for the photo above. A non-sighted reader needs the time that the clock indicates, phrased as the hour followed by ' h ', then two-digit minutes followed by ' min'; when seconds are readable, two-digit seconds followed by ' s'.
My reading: 2 h 01 min
